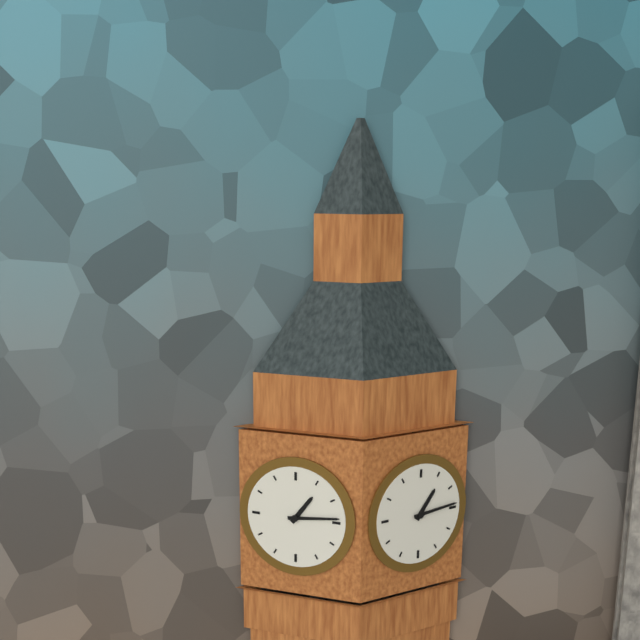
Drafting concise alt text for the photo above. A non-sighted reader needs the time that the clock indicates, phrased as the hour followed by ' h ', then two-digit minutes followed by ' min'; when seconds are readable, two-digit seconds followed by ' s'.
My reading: 1 h 14 min
